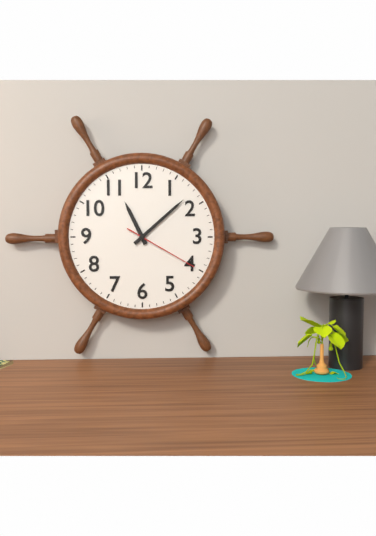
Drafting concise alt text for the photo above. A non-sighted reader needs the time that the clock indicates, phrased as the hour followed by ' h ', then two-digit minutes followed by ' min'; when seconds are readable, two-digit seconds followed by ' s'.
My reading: 11 h 08 min 20 s
